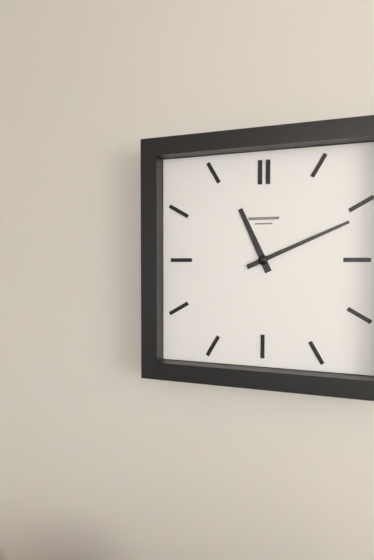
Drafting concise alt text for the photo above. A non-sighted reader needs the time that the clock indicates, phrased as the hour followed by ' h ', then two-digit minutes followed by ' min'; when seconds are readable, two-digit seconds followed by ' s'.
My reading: 11 h 11 min
